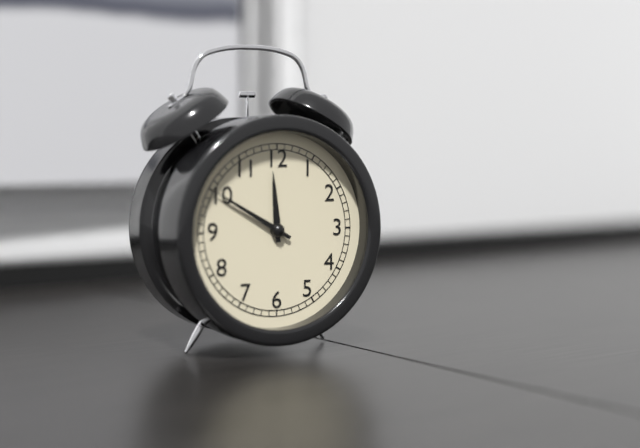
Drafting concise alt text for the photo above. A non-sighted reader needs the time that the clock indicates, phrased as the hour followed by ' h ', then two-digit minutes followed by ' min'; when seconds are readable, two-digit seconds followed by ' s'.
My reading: 11 h 50 min
